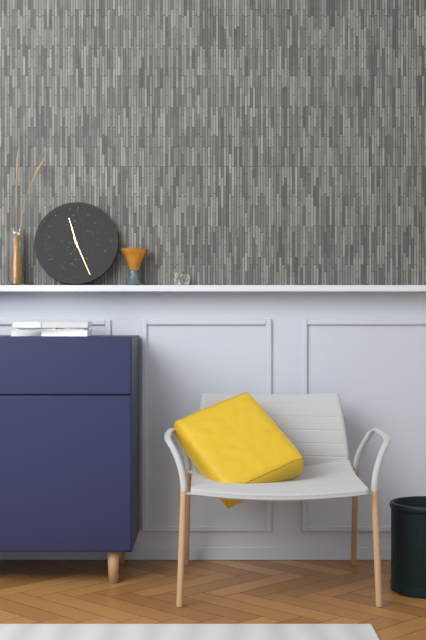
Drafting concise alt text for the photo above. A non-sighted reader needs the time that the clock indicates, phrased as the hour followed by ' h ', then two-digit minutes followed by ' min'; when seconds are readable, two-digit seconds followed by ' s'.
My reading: 11 h 26 min
